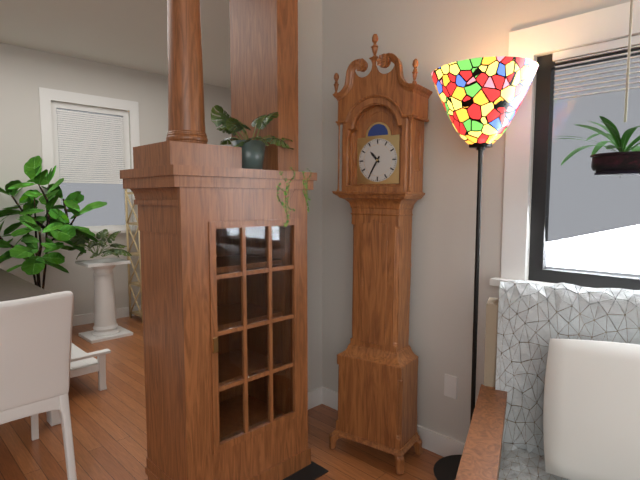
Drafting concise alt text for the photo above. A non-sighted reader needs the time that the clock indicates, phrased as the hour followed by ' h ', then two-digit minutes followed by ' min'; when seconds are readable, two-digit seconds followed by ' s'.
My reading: 10 h 35 min
